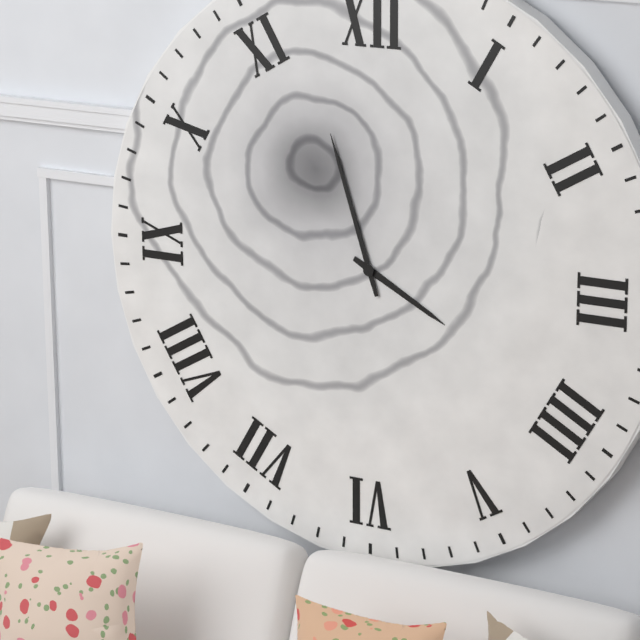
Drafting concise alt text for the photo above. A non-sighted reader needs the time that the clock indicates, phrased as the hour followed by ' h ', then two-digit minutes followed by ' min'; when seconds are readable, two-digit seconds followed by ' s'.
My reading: 3 h 57 min
